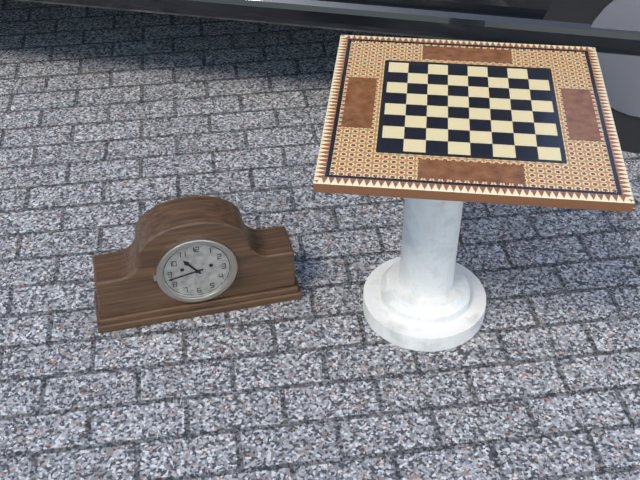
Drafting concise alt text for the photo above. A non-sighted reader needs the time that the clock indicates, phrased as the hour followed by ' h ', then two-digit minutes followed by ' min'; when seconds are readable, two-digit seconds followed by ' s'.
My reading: 10 h 43 min
